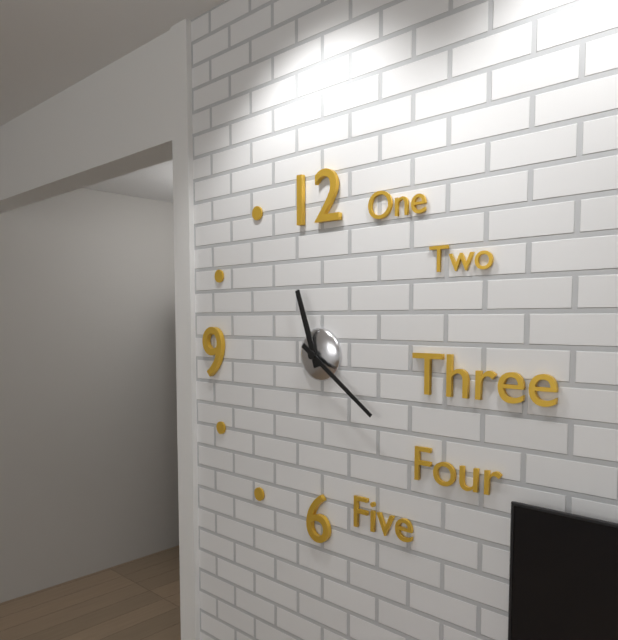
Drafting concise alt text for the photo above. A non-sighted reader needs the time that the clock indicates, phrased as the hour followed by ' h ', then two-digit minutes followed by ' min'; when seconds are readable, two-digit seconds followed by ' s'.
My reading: 11 h 21 min
